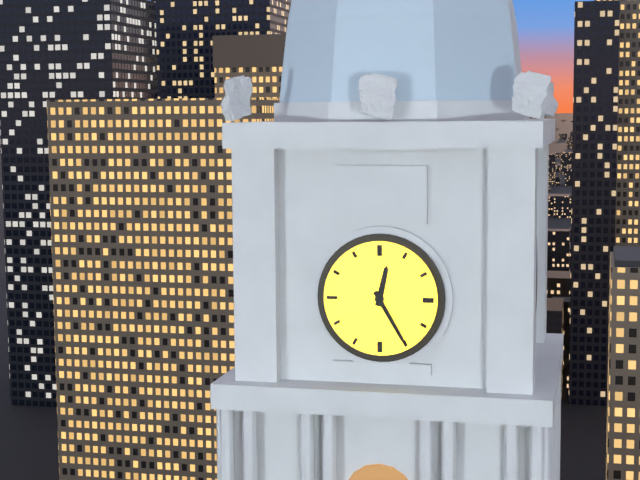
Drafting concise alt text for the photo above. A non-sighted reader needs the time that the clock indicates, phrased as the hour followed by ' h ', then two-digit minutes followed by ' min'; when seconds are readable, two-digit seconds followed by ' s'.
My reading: 12 h 25 min
